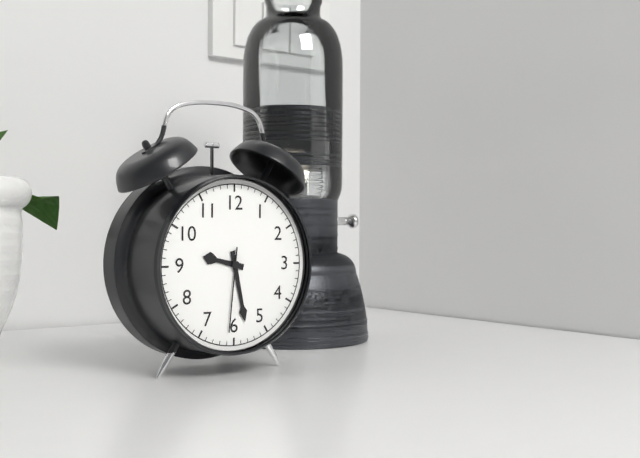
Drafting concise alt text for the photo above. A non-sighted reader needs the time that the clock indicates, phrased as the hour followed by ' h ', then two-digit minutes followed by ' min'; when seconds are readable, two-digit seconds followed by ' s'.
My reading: 9 h 28 min 31 s
